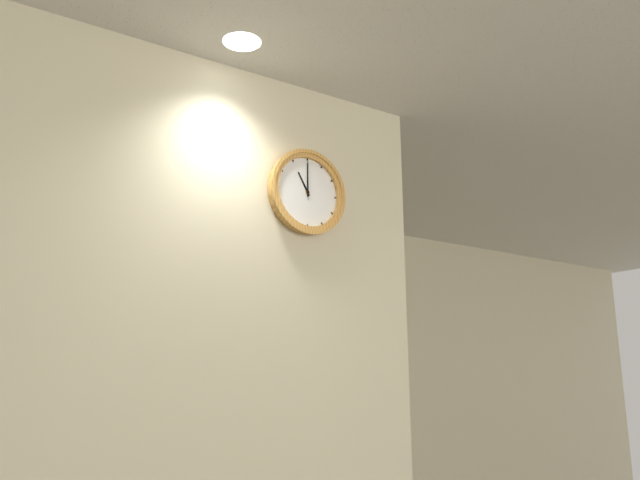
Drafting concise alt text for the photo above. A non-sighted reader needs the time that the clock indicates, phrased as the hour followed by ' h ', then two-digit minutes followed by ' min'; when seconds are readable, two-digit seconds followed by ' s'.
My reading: 11 h 00 min
